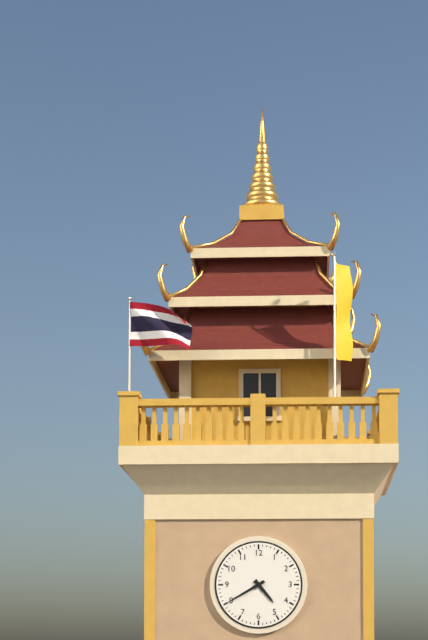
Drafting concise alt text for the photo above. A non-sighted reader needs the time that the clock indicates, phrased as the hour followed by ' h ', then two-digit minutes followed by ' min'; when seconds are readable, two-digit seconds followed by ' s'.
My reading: 4 h 40 min
